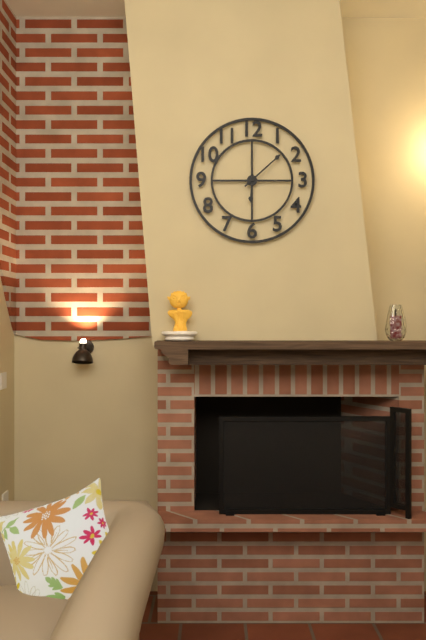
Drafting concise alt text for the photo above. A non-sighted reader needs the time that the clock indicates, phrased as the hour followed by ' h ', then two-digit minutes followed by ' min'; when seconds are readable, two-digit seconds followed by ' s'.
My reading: 6 h 08 min
